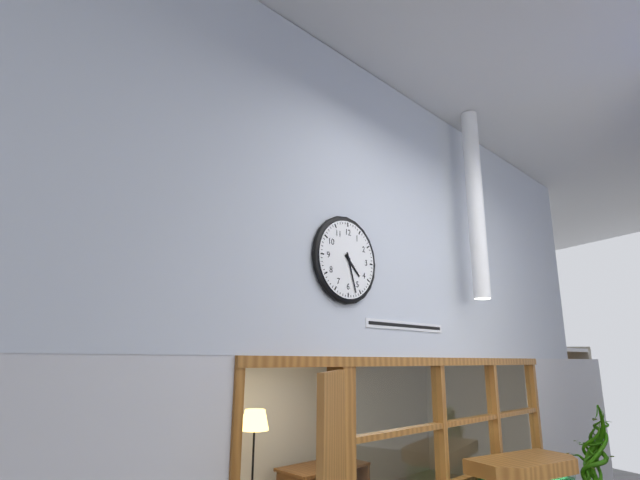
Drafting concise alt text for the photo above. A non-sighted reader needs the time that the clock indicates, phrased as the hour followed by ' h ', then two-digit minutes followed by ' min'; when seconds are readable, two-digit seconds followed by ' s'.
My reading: 4 h 27 min
